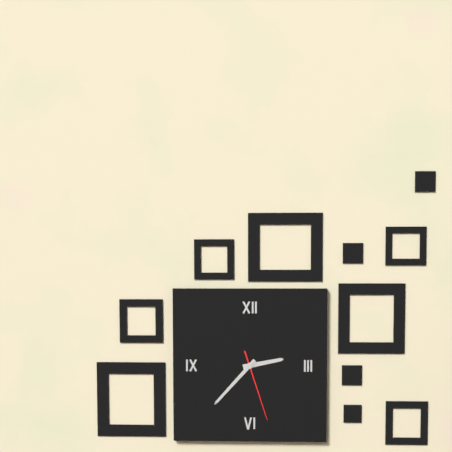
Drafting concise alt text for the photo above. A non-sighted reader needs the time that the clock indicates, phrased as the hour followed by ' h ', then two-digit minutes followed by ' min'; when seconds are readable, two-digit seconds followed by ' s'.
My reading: 2 h 37 min 27 s
